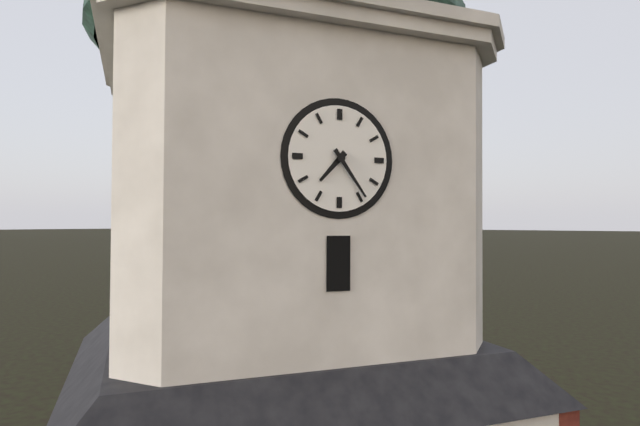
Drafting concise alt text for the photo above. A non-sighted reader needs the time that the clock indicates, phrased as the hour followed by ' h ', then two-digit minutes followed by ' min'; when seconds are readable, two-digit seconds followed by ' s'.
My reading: 7 h 24 min
